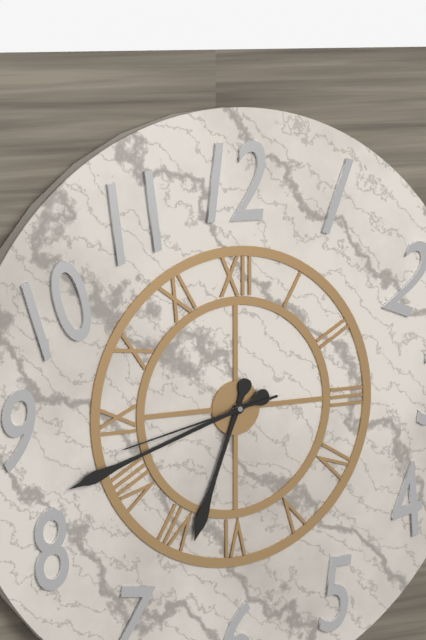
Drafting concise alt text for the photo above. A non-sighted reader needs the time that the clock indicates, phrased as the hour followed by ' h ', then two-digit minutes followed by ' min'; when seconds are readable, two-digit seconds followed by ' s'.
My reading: 6 h 42 min 43 s
